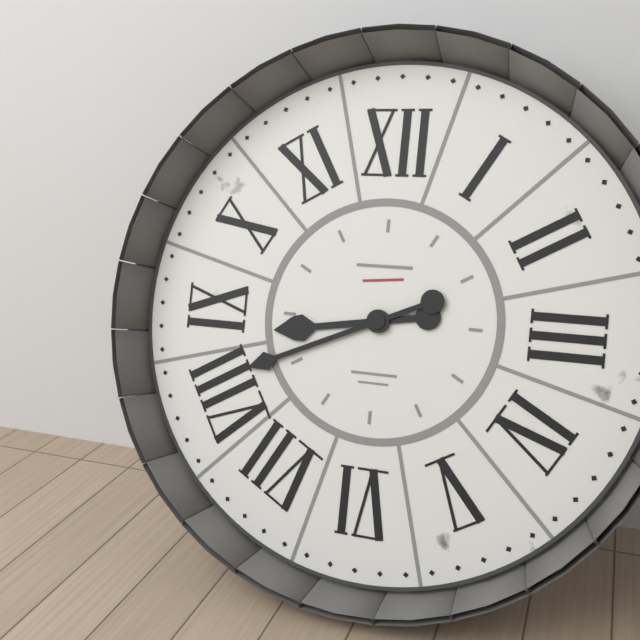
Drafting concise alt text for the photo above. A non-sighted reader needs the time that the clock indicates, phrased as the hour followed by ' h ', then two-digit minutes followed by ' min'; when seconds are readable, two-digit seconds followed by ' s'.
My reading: 8 h 41 min
